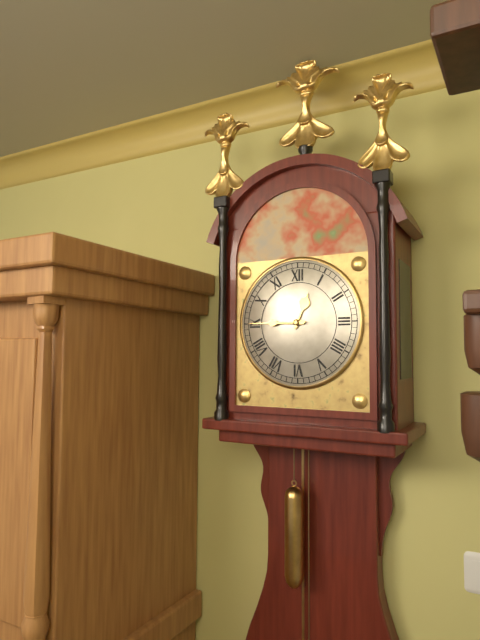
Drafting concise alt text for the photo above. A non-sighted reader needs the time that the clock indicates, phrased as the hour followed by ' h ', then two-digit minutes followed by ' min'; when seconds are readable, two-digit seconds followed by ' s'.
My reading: 12 h 45 min
